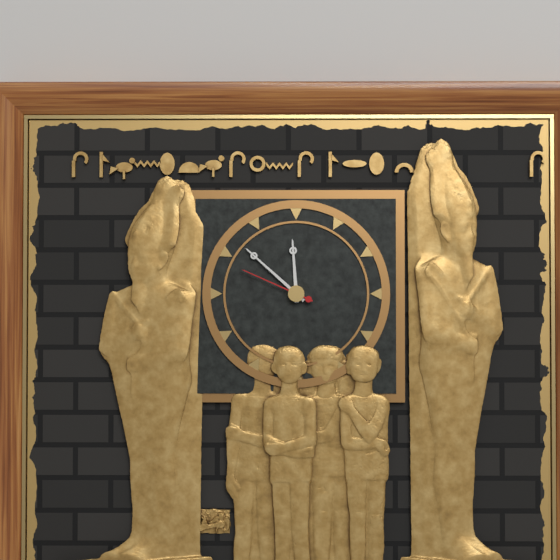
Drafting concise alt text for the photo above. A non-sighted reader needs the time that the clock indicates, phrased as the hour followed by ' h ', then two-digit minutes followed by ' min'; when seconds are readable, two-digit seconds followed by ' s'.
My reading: 11 h 52 min 49 s
